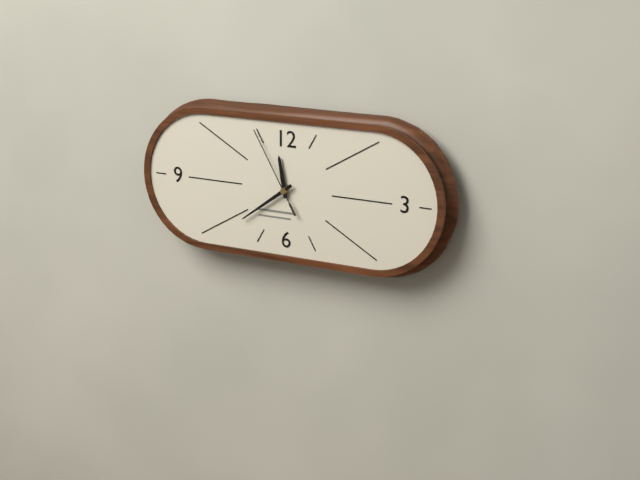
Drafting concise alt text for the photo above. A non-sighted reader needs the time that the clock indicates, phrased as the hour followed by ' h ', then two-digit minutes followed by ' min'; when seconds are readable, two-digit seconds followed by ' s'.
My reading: 11 h 39 min 55 s
